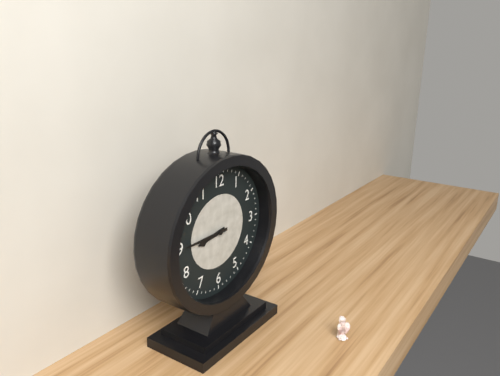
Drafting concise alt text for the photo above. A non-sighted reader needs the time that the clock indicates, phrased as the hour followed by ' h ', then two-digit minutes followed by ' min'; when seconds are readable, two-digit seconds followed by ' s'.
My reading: 8 h 45 min
